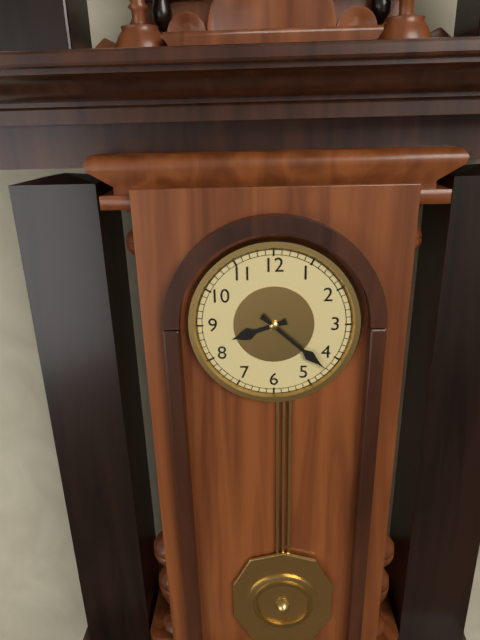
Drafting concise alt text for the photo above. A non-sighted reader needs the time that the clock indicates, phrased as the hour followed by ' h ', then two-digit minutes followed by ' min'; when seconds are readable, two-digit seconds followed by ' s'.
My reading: 8 h 22 min
